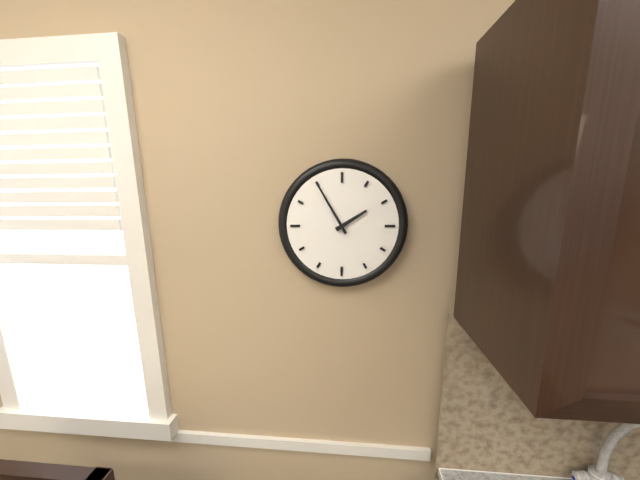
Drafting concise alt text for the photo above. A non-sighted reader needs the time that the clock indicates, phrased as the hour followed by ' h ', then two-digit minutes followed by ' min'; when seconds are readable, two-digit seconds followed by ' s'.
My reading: 1 h 55 min
